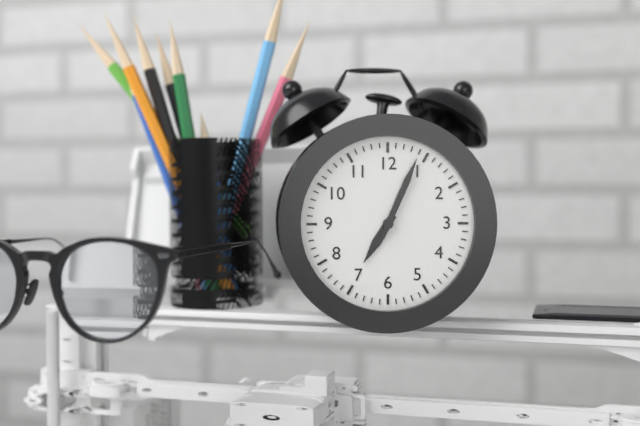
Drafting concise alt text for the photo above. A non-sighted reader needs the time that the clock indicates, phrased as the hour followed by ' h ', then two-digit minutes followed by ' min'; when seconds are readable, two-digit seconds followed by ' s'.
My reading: 7 h 04 min
